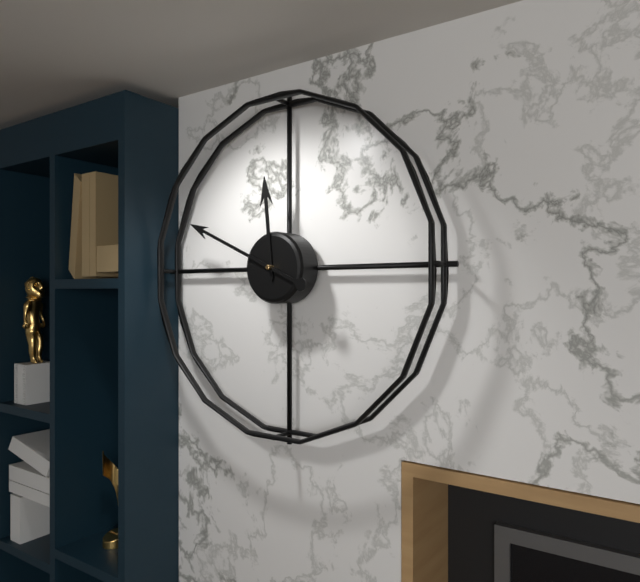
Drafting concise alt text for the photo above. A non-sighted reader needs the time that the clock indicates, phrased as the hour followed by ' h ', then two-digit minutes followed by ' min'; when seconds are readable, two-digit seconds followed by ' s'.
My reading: 11 h 49 min
